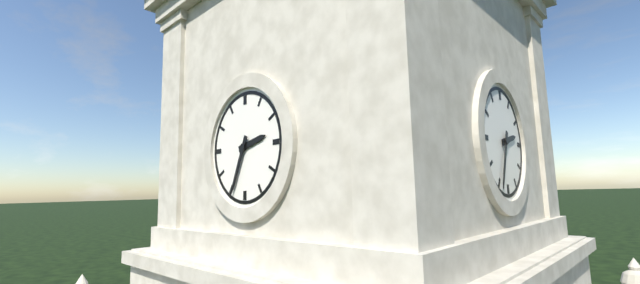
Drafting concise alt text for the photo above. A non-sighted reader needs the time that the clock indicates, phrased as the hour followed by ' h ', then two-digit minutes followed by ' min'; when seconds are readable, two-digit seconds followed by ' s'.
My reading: 2 h 34 min
